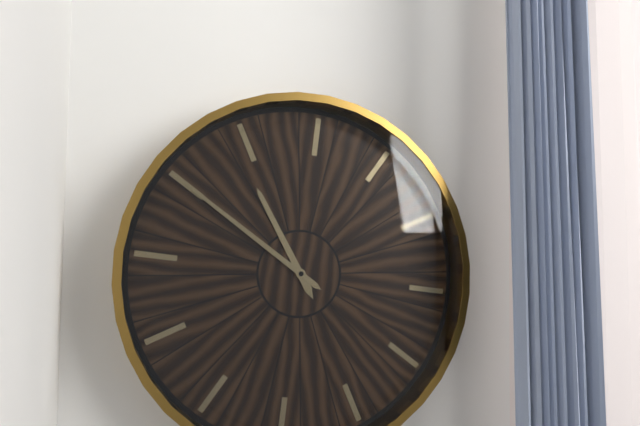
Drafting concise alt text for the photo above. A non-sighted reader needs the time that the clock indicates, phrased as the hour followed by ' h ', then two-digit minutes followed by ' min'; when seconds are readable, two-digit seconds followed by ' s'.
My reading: 10 h 50 min
